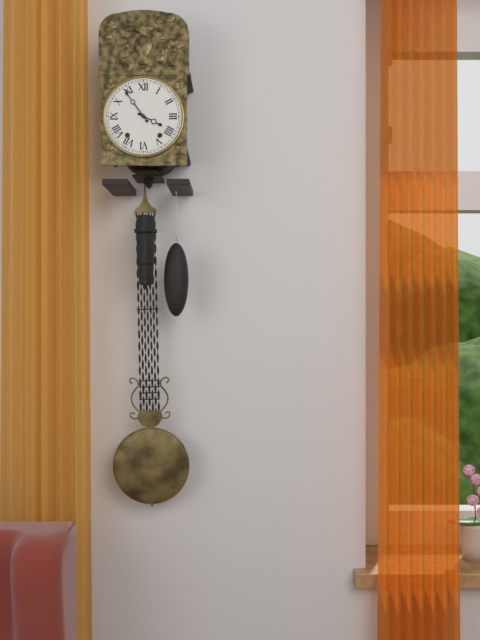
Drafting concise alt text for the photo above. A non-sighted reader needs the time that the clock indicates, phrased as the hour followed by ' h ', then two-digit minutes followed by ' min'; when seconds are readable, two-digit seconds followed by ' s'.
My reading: 3 h 54 min
